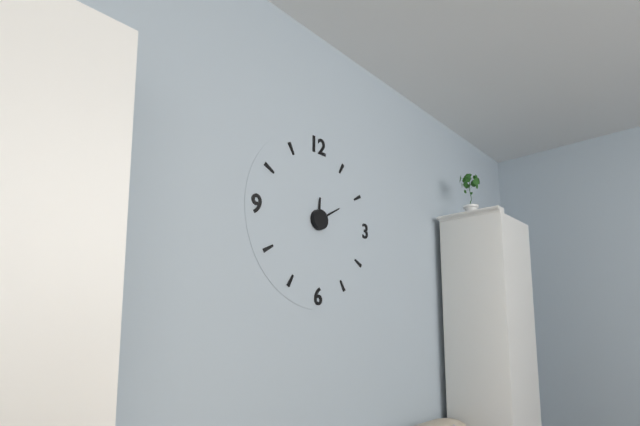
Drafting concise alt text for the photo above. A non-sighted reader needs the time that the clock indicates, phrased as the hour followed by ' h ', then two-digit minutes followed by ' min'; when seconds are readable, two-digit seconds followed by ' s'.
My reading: 12 h 10 min
